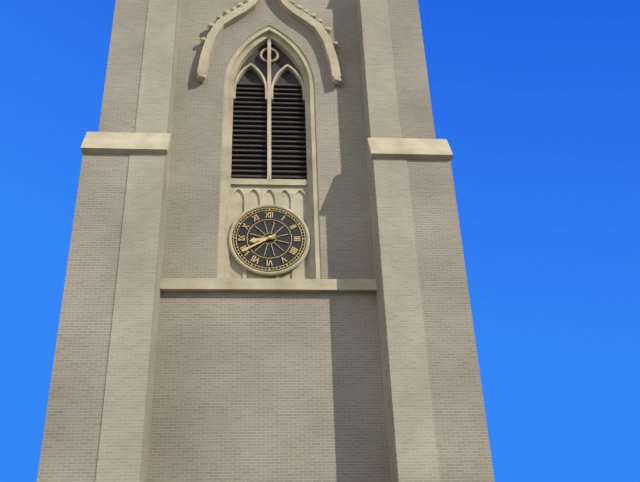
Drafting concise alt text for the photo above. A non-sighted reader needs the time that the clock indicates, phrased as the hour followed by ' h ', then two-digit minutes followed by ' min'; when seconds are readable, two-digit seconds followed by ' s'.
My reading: 8 h 40 min
